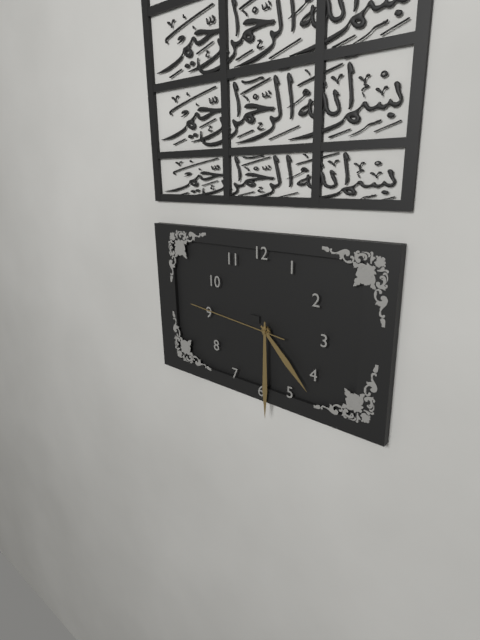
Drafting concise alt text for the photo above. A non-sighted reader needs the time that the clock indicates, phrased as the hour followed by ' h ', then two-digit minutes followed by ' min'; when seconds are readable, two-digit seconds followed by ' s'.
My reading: 4 h 30 min 46 s
